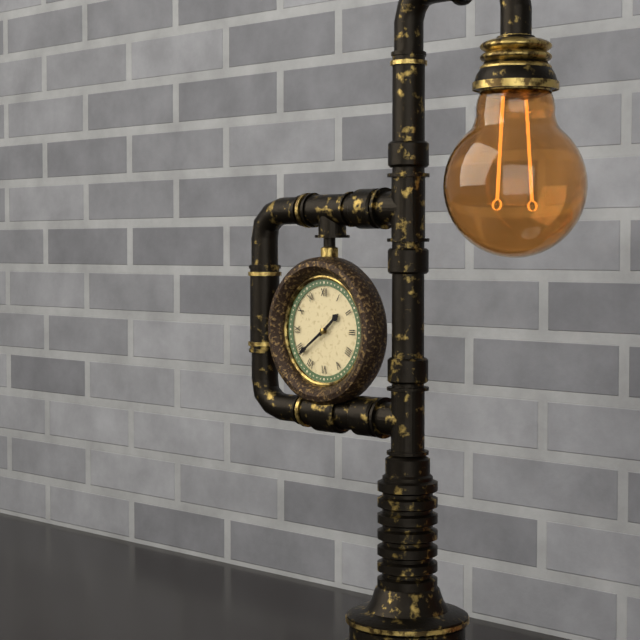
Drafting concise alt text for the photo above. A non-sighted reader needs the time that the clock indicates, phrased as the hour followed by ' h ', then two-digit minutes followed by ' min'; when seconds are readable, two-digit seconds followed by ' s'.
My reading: 1 h 39 min
